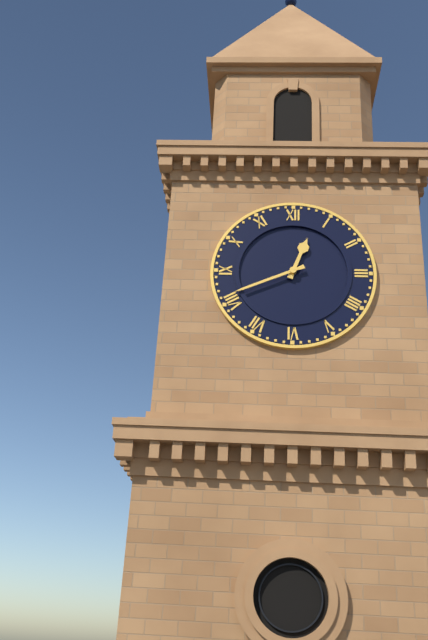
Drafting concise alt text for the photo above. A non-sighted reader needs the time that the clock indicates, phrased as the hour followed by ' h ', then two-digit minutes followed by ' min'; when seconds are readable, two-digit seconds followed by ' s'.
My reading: 12 h 41 min
